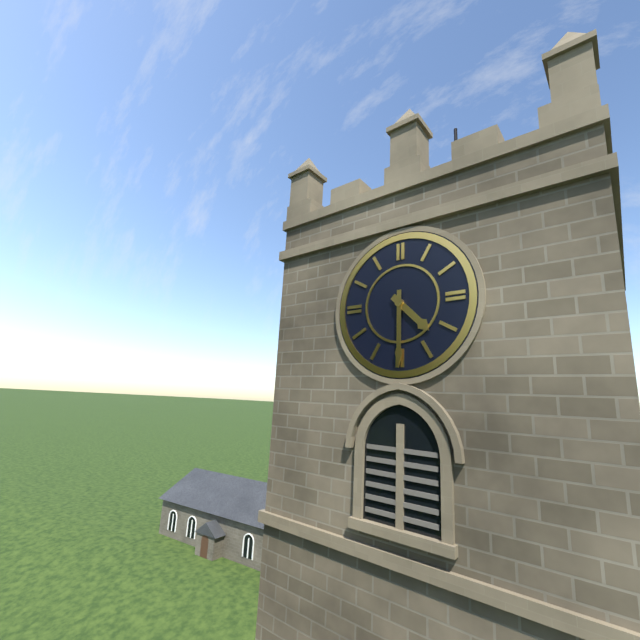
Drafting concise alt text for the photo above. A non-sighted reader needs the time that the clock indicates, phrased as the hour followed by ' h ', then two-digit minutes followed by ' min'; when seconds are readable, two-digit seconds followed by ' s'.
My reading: 4 h 30 min
